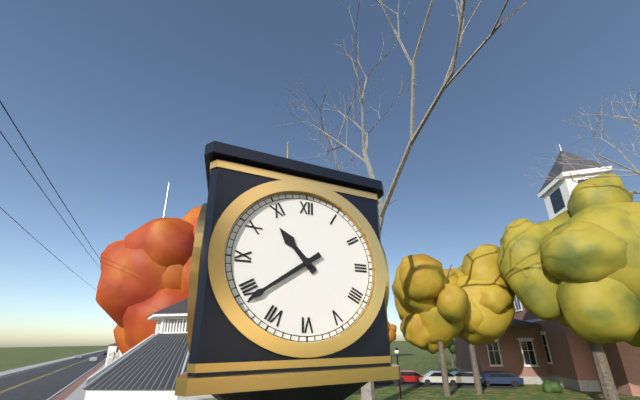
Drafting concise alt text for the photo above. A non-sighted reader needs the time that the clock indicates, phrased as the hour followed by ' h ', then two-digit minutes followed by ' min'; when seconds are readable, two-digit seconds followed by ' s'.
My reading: 10 h 39 min
